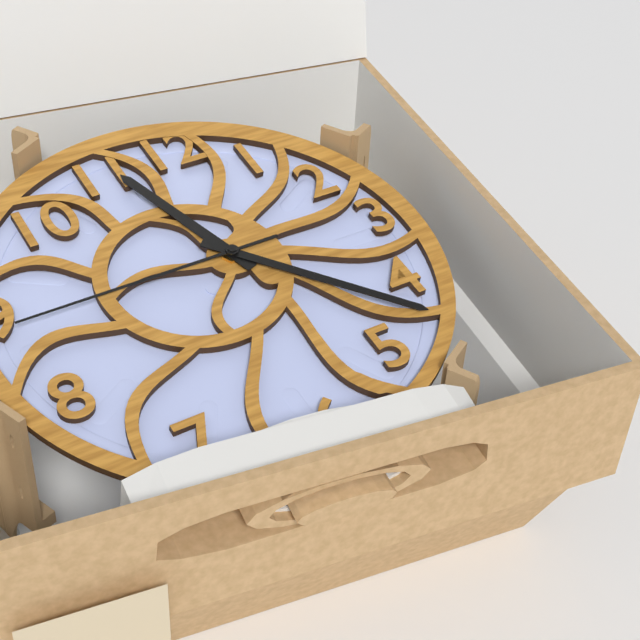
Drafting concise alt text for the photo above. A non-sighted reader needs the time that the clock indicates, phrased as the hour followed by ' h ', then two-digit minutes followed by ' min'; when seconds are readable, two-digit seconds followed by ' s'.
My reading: 11 h 23 min 45 s
